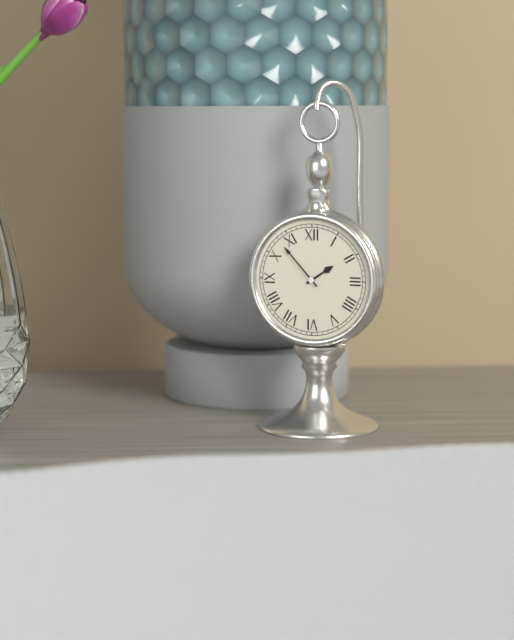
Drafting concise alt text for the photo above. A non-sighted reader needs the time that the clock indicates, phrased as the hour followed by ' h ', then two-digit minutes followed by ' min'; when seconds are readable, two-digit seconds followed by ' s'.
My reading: 1 h 53 min
